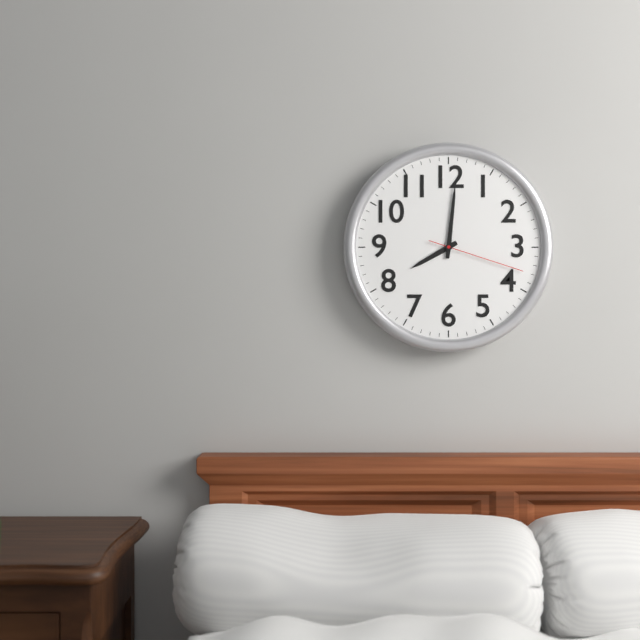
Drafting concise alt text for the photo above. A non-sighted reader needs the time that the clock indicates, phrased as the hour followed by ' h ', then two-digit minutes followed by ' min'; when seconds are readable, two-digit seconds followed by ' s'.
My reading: 8 h 01 min 18 s
